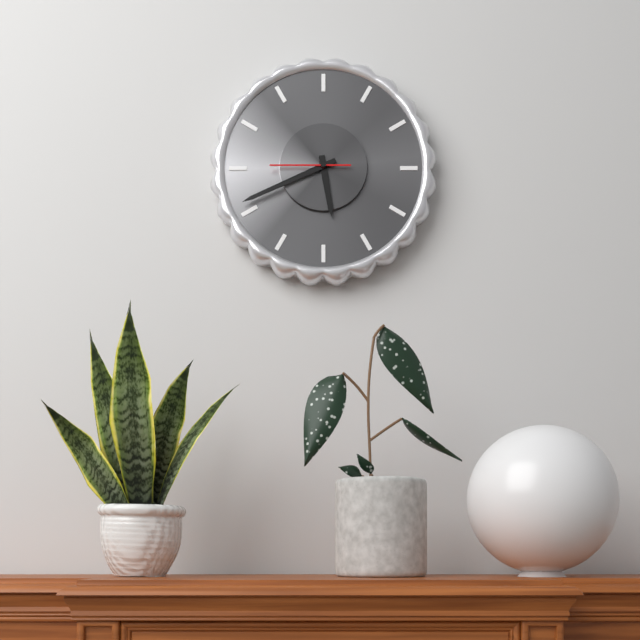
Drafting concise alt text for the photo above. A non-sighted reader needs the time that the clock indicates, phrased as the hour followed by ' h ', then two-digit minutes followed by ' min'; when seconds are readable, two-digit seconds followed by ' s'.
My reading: 5 h 41 min 45 s
